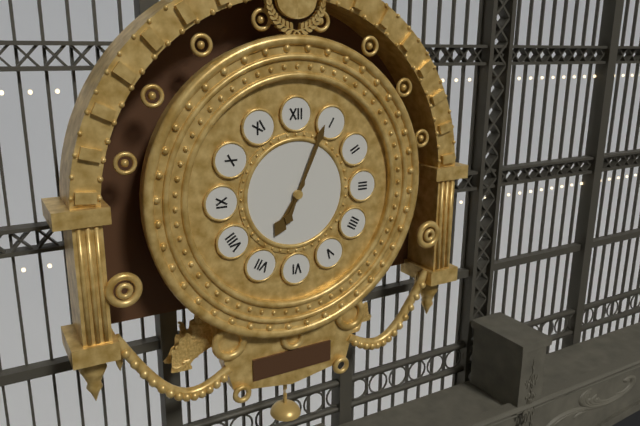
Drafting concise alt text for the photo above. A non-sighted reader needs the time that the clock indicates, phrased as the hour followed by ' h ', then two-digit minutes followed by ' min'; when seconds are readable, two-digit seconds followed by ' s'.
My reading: 7 h 04 min
